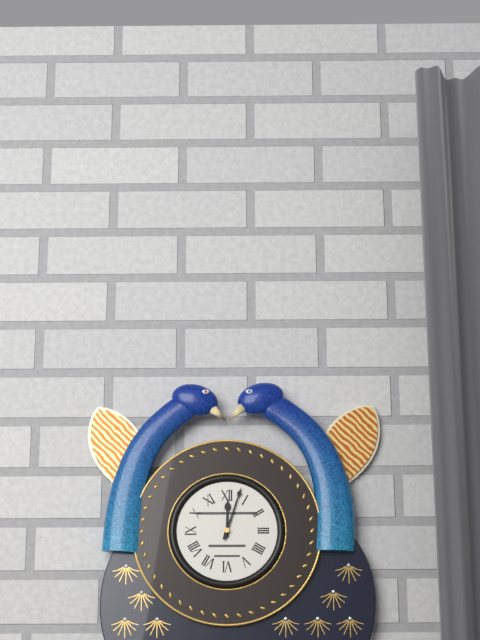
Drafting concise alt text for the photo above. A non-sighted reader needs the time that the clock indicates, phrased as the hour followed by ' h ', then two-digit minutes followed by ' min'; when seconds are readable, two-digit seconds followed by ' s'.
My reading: 12 h 03 min
